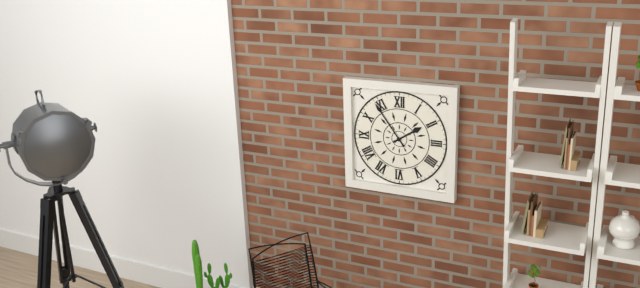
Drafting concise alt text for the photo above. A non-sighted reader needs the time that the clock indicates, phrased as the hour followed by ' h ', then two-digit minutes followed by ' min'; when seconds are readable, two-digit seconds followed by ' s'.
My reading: 1 h 54 min
